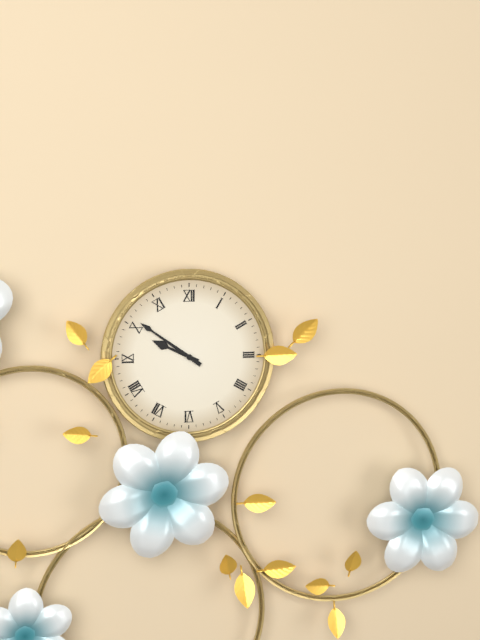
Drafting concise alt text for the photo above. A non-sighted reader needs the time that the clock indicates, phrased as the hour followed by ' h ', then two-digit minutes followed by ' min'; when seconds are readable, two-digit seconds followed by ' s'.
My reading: 9 h 51 min
